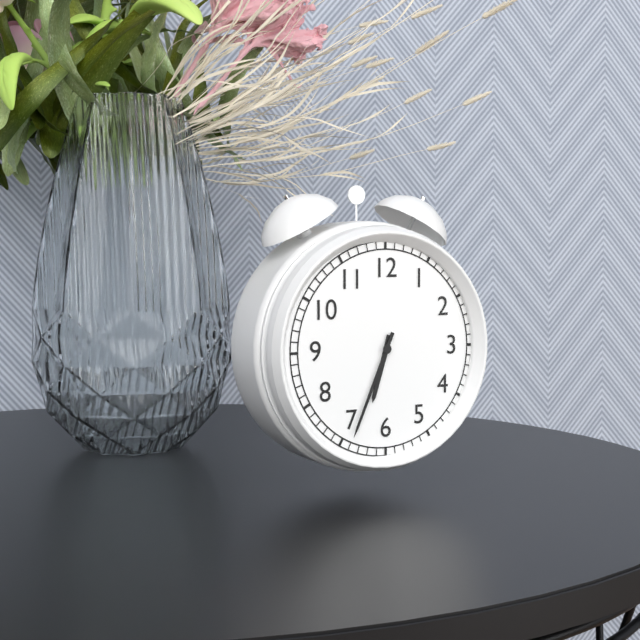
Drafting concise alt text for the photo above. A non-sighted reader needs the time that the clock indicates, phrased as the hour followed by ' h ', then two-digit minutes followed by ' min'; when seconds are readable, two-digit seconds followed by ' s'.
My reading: 6 h 34 min
